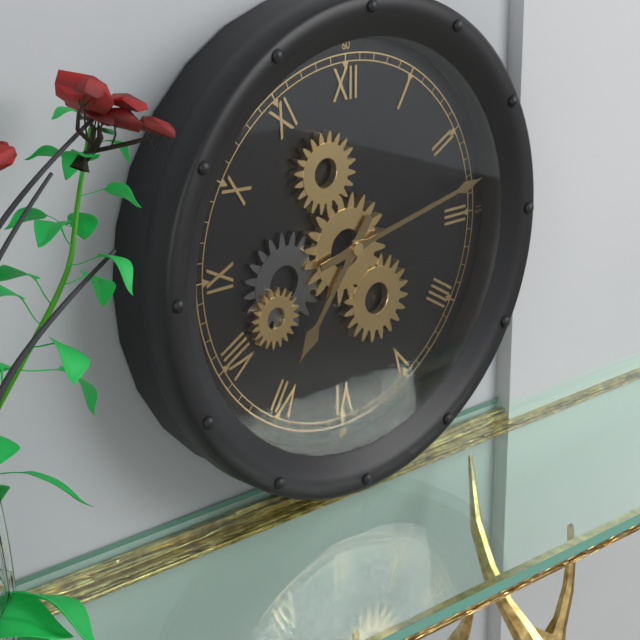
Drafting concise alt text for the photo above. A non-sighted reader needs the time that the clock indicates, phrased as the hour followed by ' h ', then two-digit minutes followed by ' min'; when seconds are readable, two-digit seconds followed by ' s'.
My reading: 7 h 13 min
